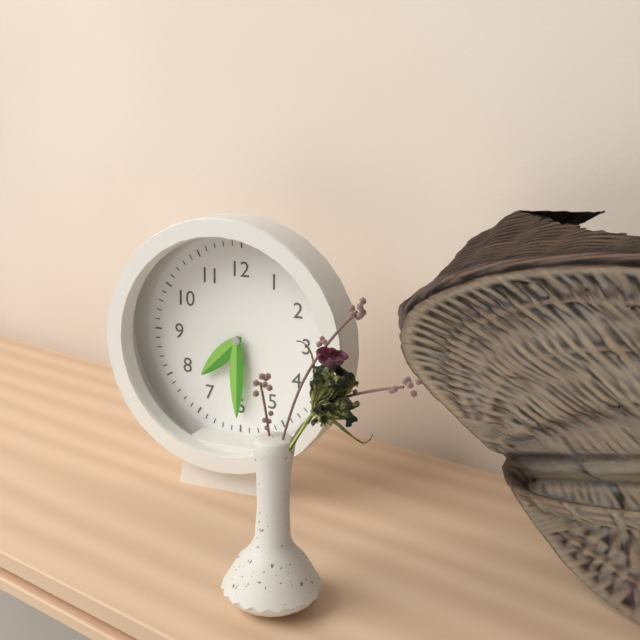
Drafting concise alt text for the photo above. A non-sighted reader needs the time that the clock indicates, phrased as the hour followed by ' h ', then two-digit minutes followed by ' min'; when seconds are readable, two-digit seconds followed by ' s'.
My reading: 7 h 30 min
